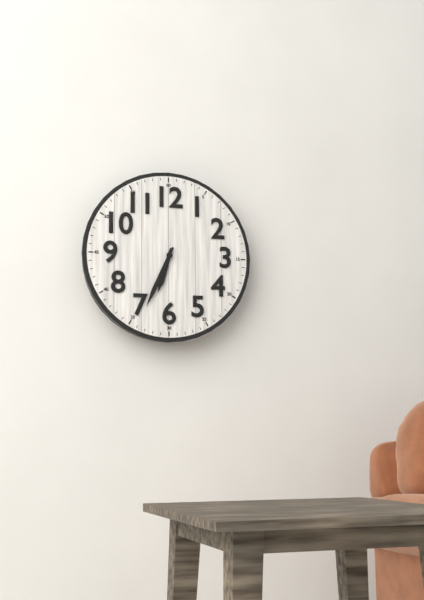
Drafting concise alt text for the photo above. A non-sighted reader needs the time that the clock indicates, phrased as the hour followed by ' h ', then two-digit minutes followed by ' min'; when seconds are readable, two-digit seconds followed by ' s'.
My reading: 6 h 34 min
